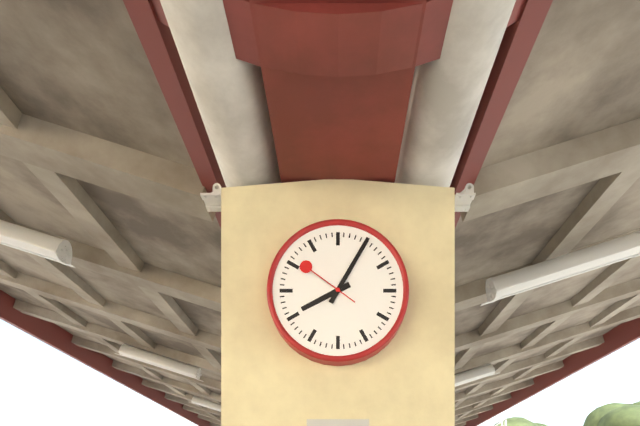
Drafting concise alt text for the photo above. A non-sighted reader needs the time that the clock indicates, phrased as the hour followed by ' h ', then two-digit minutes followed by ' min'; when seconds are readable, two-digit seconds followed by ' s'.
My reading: 8 h 05 min 51 s
